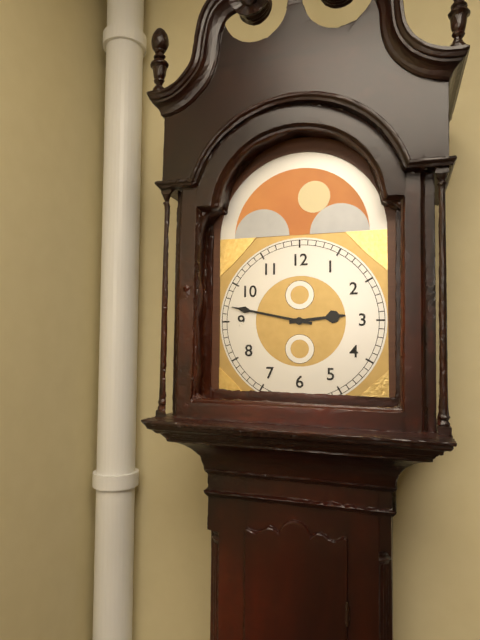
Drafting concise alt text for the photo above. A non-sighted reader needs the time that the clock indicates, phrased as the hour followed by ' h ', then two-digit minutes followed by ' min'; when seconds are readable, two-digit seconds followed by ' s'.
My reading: 2 h 47 min
